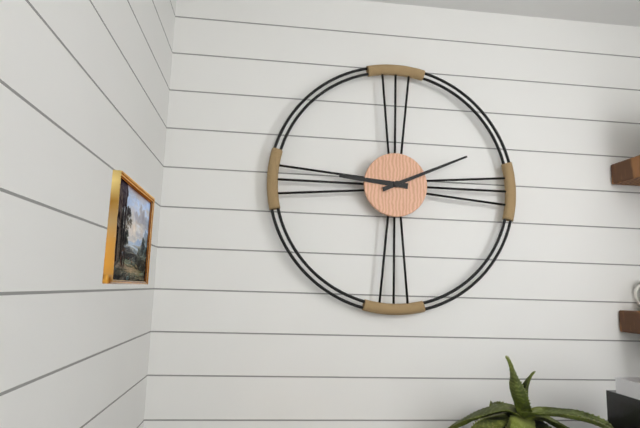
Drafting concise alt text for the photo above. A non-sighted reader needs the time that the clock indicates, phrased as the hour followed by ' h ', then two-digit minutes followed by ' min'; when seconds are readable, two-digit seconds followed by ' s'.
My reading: 9 h 11 min
